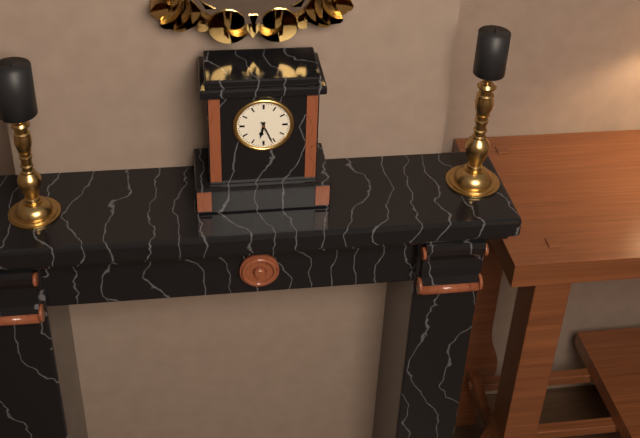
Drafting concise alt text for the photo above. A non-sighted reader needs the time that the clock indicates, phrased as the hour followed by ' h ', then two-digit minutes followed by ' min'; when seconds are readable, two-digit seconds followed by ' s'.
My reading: 6 h 26 min
